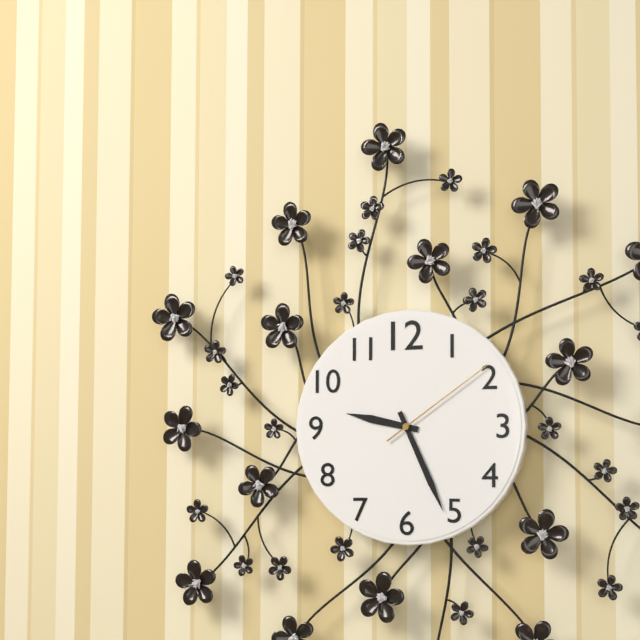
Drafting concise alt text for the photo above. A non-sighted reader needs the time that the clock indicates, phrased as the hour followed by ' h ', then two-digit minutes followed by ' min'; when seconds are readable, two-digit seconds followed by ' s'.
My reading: 9 h 26 min 09 s
